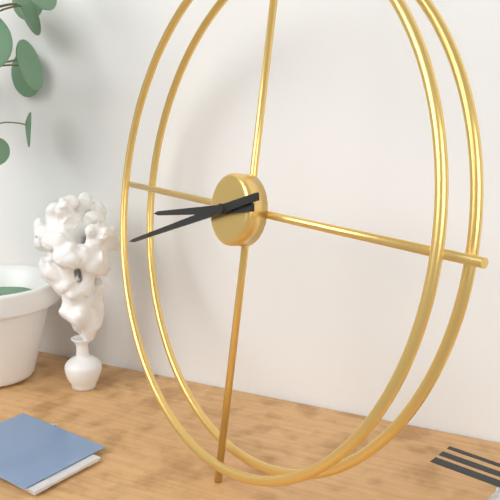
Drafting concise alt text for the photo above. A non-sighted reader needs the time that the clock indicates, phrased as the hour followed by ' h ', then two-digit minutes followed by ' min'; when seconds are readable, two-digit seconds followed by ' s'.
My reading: 8 h 42 min
